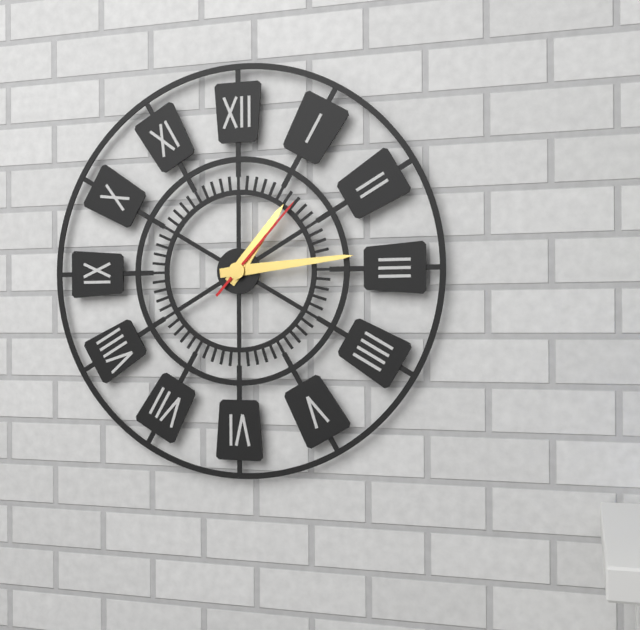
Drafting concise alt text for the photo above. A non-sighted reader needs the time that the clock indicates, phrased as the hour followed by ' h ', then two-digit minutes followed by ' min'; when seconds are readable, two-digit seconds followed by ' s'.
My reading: 1 h 14 min 07 s
